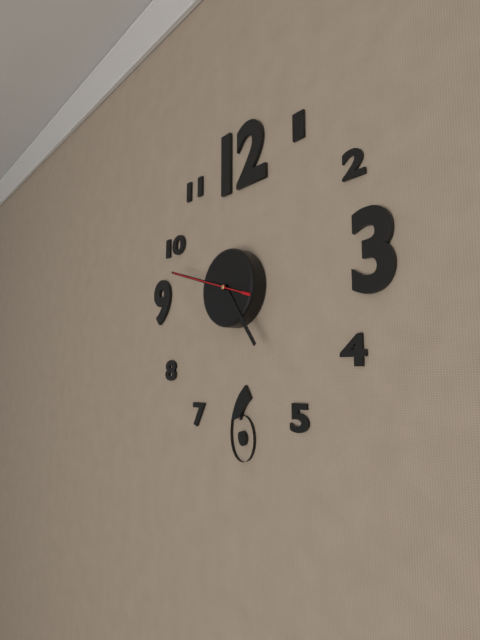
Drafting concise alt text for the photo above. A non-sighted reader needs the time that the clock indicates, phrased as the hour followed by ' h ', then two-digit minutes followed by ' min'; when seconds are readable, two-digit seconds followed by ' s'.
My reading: 4 h 48 min 48 s
